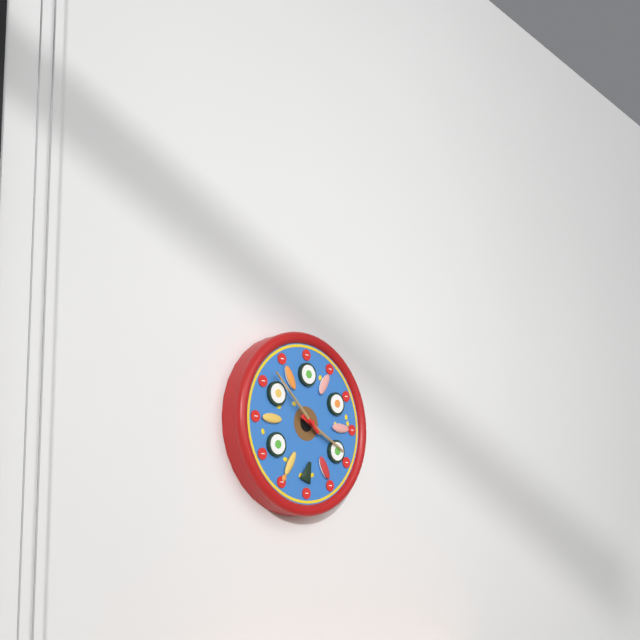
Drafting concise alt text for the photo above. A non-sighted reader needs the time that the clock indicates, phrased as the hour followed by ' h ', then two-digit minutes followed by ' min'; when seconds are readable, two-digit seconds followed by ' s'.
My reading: 3 h 52 min
